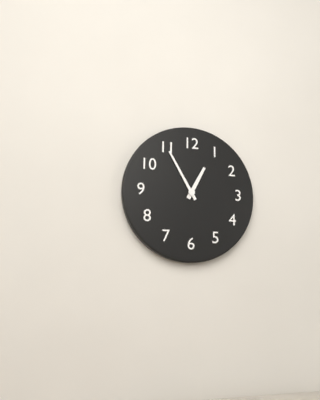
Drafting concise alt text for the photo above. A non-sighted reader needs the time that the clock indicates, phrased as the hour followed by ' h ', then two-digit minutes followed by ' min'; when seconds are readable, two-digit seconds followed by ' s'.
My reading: 12 h 55 min
